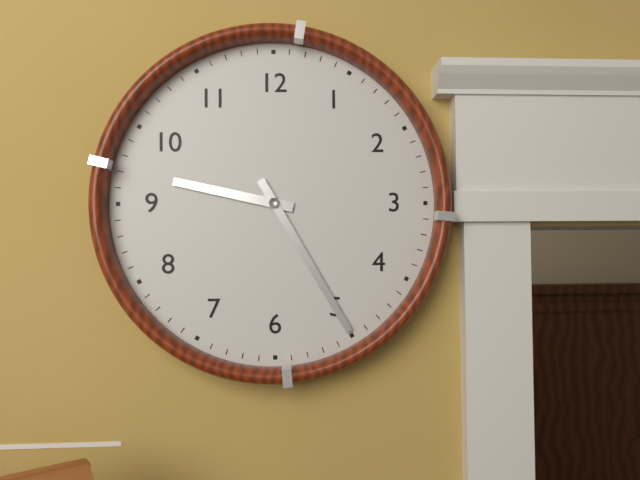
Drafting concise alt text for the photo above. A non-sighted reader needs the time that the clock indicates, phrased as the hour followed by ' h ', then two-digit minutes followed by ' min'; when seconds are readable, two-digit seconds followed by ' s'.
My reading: 9 h 25 min
